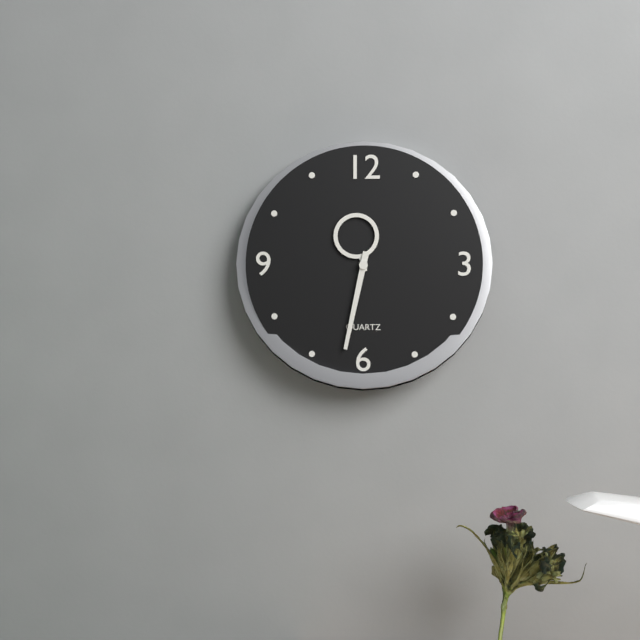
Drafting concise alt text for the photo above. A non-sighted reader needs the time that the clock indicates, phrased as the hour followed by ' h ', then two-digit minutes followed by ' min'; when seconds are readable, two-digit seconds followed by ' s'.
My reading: 11 h 32 min
